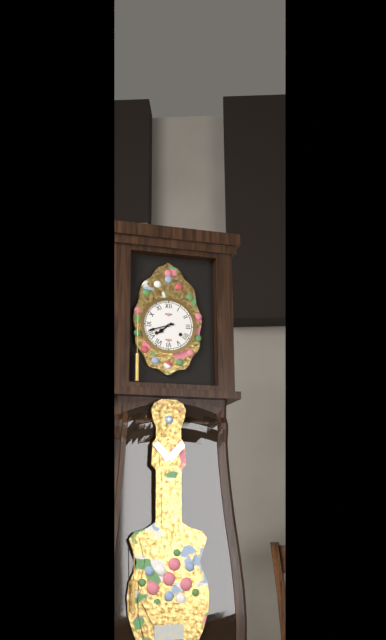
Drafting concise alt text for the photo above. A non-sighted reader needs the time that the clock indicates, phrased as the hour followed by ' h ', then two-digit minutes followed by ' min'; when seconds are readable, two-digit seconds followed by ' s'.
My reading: 7 h 42 min
